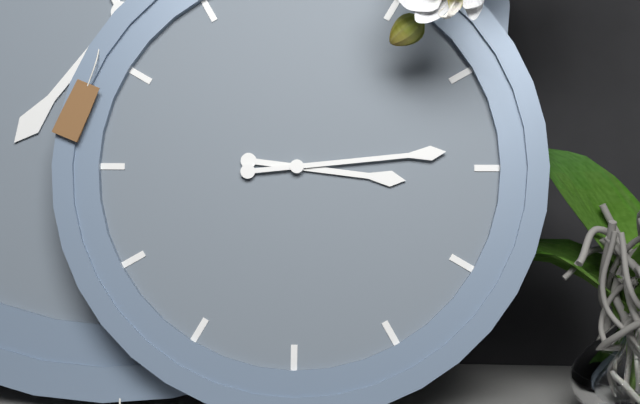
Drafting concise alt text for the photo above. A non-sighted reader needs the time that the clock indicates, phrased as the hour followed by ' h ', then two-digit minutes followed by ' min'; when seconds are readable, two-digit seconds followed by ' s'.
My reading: 3 h 14 min
